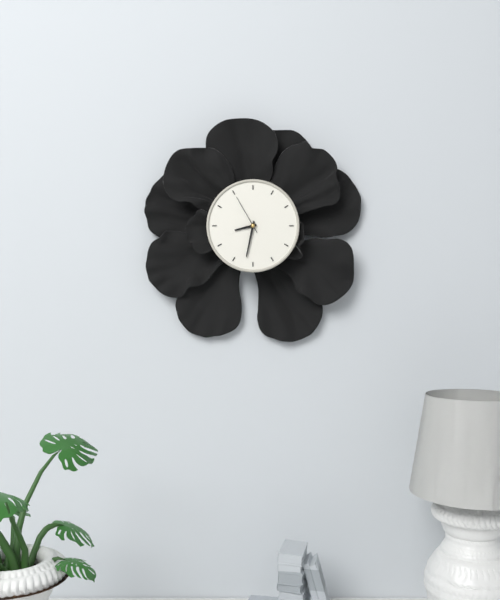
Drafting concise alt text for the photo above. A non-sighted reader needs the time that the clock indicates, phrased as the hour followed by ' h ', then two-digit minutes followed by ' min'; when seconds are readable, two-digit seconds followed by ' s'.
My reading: 8 h 32 min
